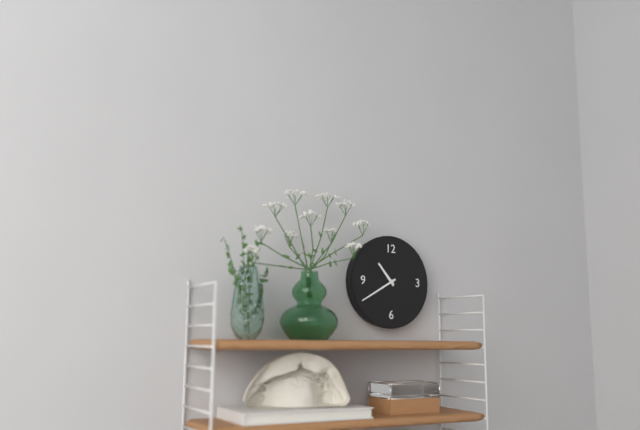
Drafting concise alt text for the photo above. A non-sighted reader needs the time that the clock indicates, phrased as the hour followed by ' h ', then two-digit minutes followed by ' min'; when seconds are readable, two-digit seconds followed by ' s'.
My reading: 10 h 40 min
